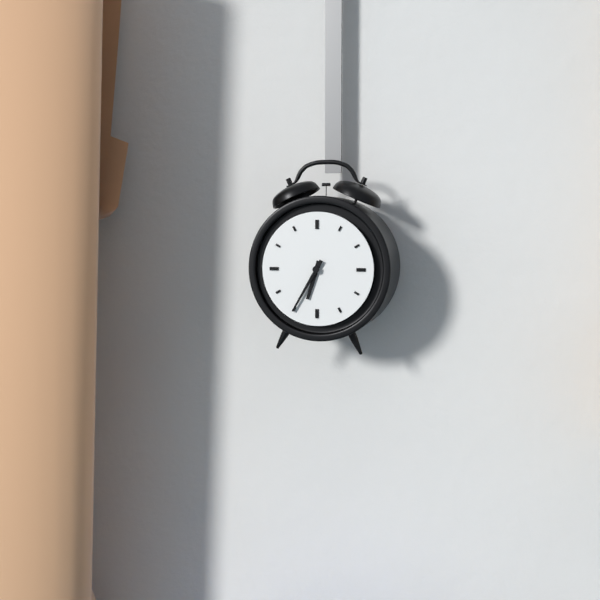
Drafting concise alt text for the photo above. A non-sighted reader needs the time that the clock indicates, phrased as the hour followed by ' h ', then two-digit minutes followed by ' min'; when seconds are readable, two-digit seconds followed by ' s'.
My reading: 6 h 35 min
